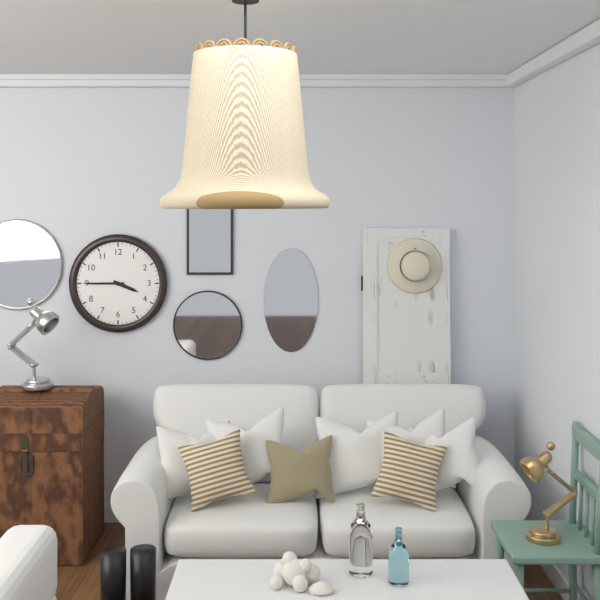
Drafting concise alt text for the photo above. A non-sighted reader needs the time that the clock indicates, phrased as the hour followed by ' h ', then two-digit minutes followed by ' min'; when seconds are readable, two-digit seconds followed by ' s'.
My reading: 3 h 45 min
